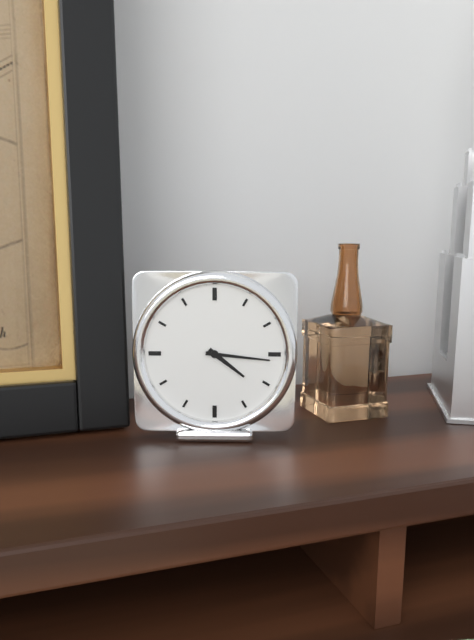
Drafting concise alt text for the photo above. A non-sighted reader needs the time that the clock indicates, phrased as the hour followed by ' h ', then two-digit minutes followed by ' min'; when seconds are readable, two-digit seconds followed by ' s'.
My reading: 4 h 16 min
